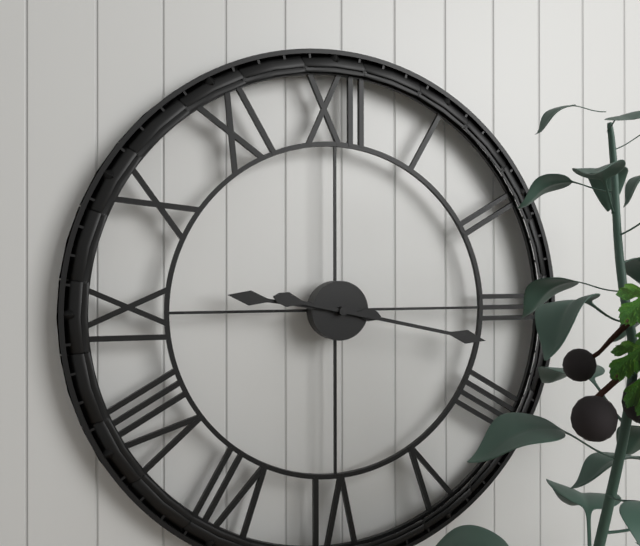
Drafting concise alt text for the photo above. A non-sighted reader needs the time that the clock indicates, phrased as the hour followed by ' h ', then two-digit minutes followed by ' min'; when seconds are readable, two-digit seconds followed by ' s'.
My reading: 9 h 17 min
